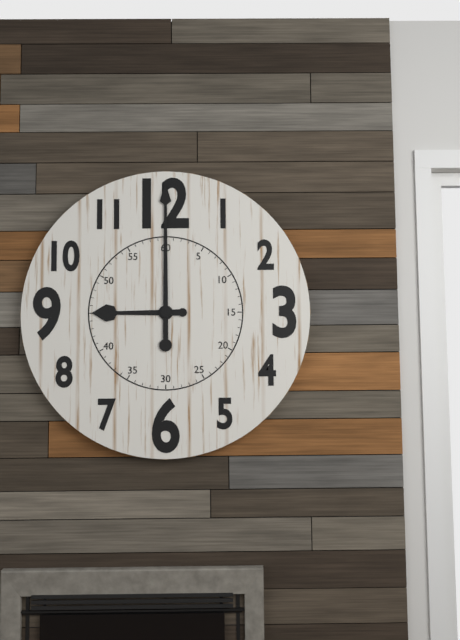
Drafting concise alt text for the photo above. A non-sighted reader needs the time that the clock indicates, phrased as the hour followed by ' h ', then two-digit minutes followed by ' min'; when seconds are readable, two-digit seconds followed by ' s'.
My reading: 9 h 00 min
